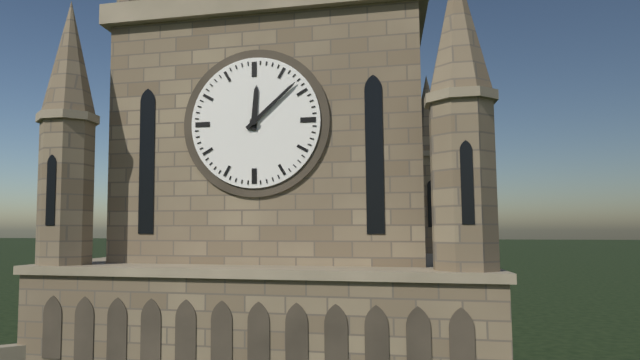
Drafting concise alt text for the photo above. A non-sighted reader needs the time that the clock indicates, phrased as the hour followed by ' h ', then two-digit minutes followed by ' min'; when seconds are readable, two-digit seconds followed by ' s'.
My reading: 12 h 08 min
